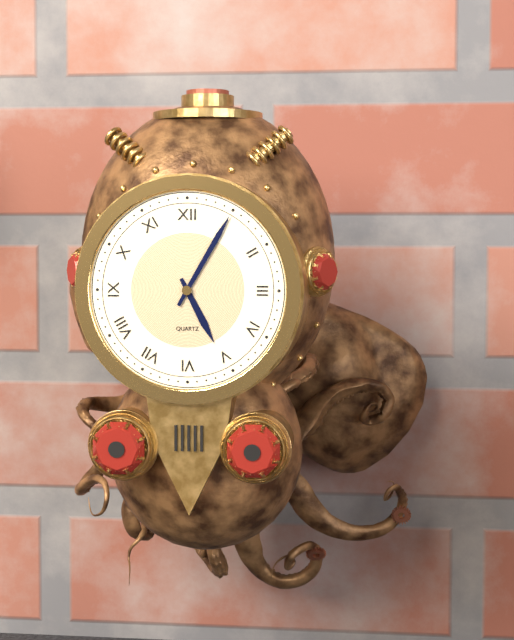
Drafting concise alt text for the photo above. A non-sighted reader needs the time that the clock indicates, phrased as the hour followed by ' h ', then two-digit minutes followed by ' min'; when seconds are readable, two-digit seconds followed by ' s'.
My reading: 5 h 05 min
